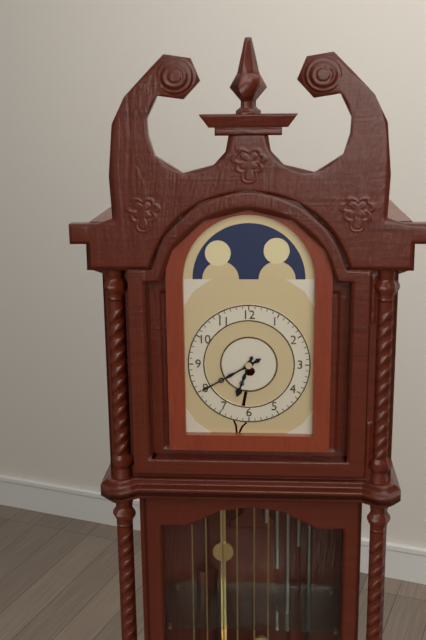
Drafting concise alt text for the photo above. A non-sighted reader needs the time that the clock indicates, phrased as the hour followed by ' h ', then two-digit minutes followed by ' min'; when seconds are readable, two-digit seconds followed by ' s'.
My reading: 6 h 40 min
